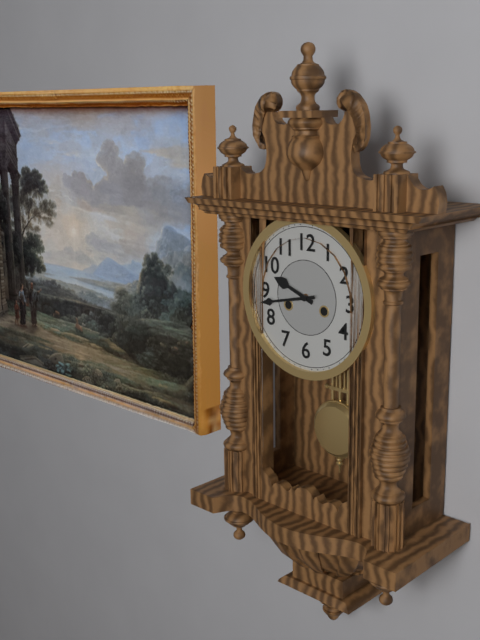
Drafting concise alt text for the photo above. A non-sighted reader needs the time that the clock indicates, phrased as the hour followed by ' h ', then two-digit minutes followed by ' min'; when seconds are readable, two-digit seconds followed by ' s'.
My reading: 9 h 43 min
